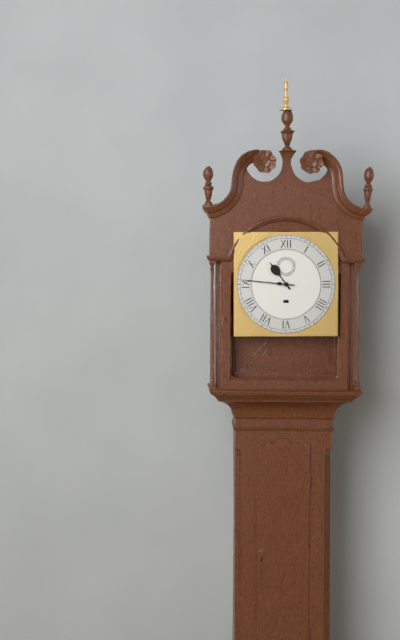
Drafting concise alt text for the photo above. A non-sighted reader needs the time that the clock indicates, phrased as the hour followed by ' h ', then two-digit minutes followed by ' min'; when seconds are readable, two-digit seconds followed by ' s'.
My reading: 10 h 46 min
